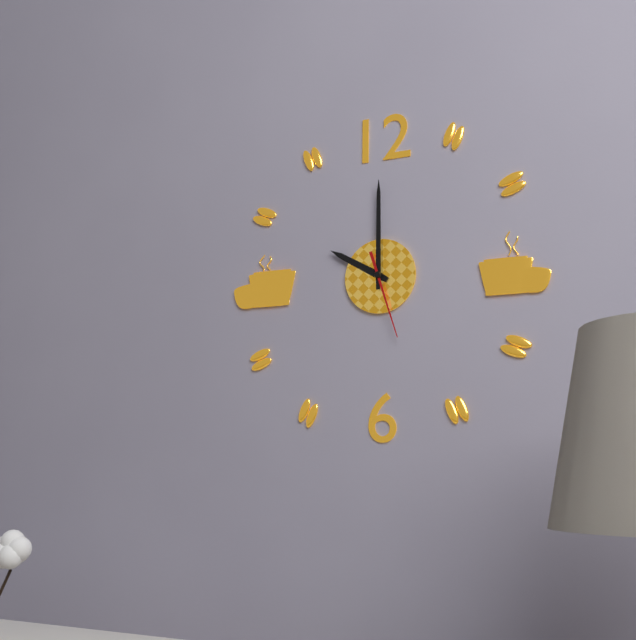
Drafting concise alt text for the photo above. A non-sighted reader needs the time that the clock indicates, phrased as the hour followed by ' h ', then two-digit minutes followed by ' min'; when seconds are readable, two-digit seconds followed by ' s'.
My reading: 10 h 00 min 27 s
